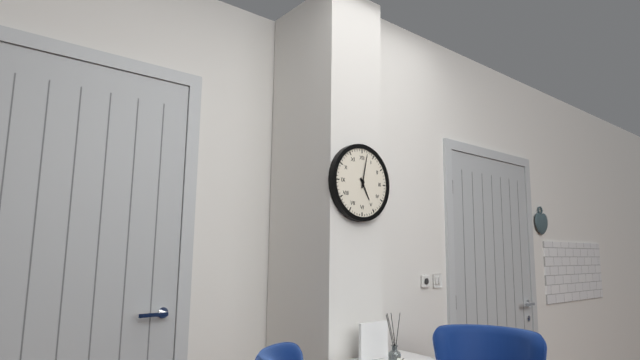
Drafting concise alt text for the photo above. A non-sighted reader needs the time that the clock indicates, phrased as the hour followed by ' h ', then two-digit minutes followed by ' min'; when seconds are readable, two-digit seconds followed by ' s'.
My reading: 5 h 02 min
